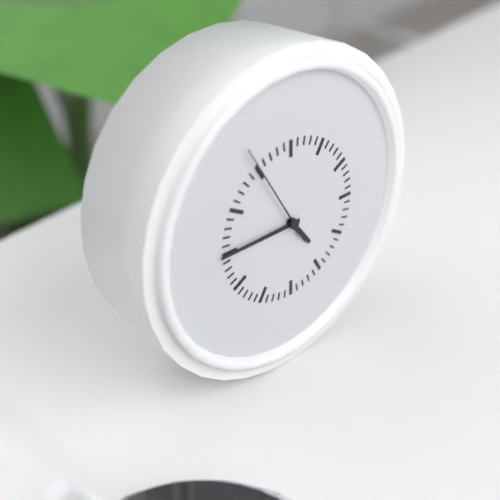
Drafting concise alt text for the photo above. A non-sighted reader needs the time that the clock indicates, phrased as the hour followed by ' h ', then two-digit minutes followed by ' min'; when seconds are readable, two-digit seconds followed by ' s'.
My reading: 4 h 45 min 55 s
